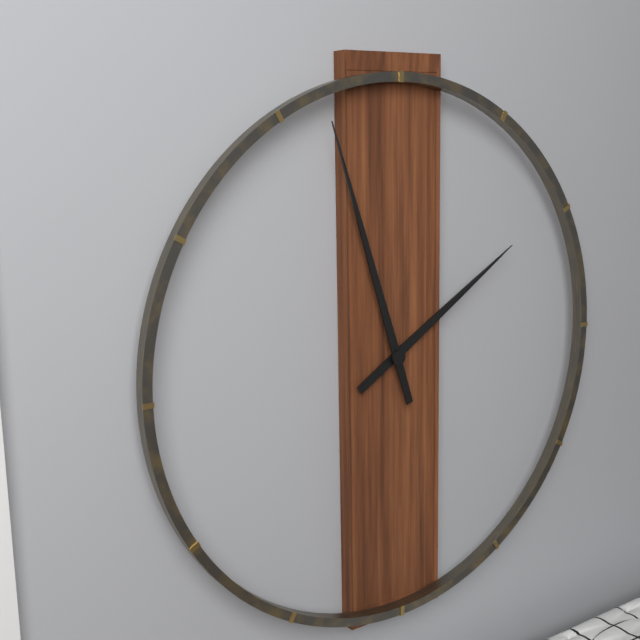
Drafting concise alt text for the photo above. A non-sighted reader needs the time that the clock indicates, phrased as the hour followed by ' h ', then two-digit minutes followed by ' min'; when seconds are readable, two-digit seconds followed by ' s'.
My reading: 1 h 57 min
